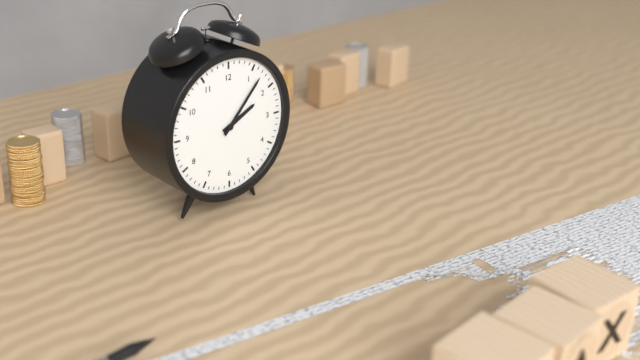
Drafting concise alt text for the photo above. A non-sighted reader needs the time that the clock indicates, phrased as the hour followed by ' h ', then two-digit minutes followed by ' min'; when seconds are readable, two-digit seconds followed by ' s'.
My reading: 2 h 07 min
